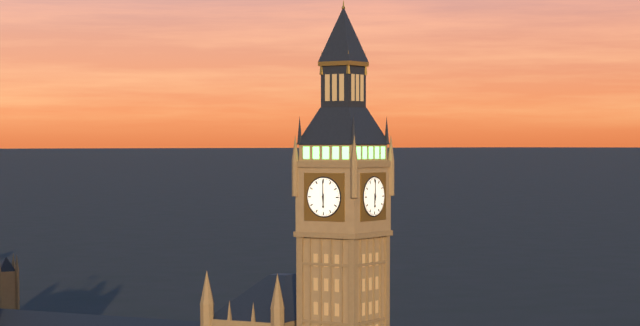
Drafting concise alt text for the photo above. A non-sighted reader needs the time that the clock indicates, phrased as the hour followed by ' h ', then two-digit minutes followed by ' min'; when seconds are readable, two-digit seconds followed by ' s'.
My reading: 6 h 00 min
